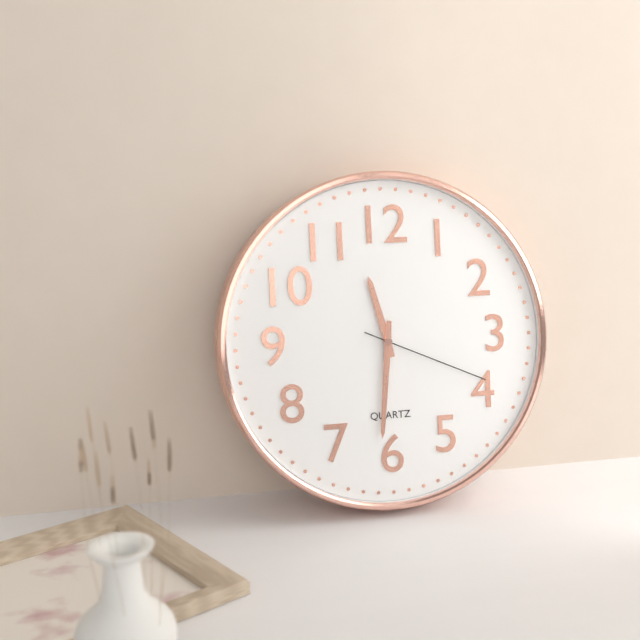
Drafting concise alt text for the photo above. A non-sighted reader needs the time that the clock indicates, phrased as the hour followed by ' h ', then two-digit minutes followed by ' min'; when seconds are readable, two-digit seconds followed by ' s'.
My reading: 11 h 31 min 19 s
